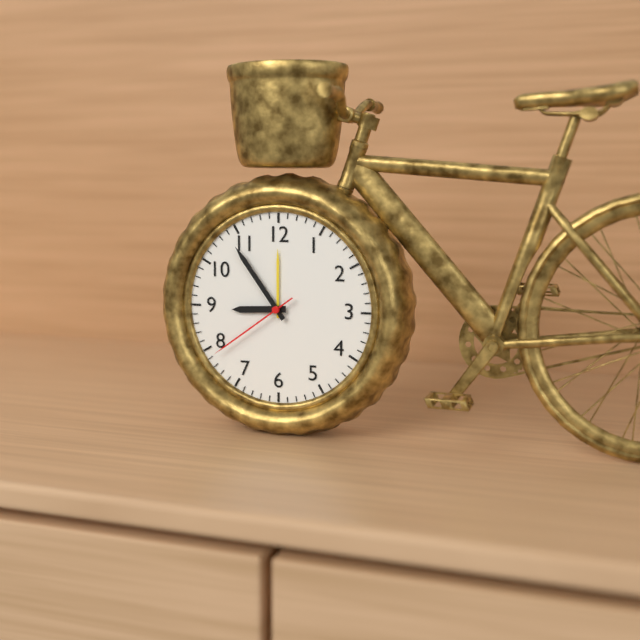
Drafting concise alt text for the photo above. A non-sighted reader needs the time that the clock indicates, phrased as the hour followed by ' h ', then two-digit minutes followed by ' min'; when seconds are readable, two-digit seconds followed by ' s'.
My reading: 8 h 54 min 39 s
